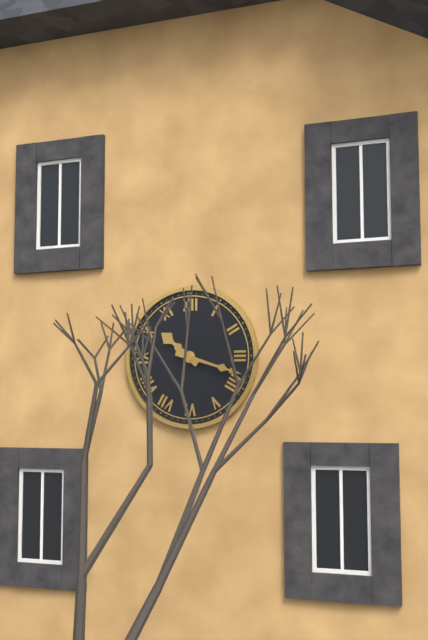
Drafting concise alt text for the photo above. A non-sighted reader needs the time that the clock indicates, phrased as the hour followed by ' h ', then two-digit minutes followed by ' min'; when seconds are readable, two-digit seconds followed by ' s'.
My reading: 10 h 18 min
